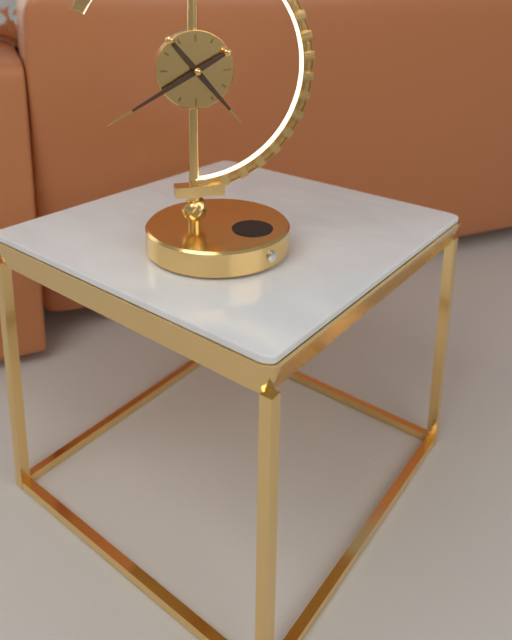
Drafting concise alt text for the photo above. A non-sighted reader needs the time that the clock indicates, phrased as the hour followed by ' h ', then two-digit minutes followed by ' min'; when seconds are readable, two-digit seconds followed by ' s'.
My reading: 4 h 40 min
